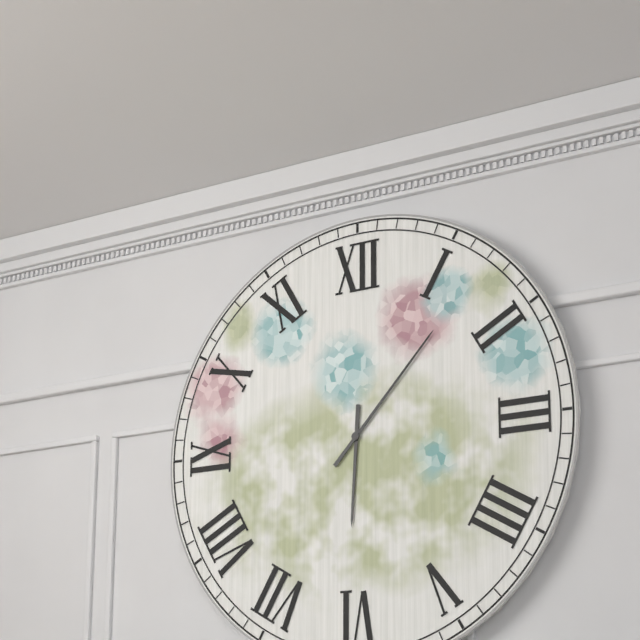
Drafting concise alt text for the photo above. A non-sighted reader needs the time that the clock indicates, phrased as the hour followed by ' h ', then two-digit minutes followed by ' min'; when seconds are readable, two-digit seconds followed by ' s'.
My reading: 6 h 07 min
